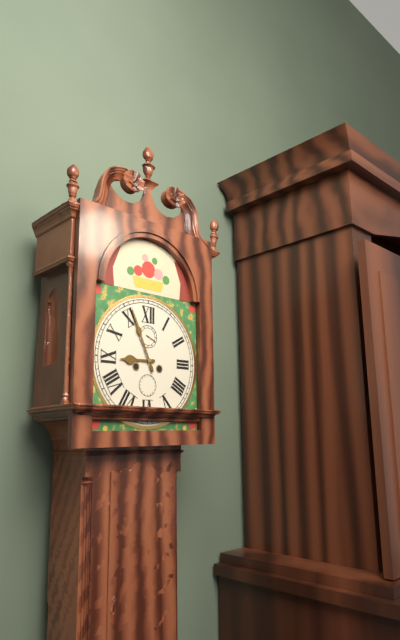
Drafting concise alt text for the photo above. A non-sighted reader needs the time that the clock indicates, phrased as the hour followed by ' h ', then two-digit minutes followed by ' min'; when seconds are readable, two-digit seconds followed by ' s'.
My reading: 8 h 56 min
